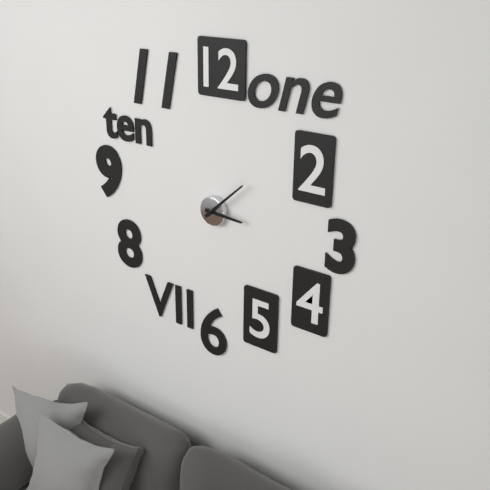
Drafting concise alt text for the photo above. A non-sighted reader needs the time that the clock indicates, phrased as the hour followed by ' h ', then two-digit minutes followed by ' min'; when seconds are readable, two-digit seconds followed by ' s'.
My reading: 3 h 08 min
